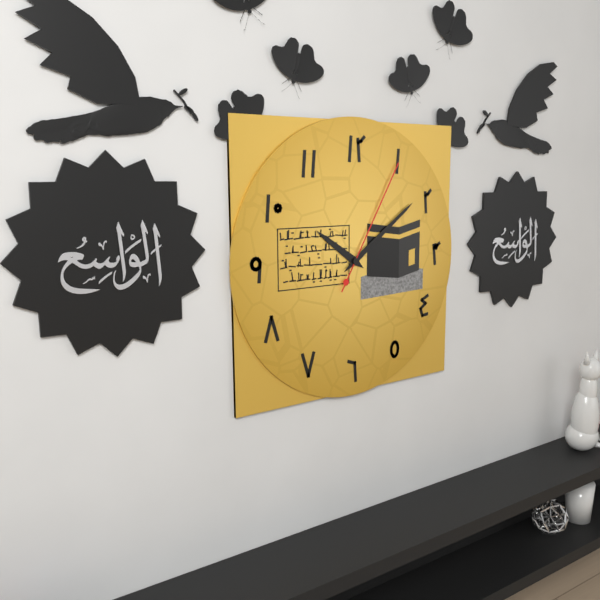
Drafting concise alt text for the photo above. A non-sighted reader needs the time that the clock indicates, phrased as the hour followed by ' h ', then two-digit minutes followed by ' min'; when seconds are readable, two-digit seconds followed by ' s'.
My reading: 10 h 09 min 05 s
